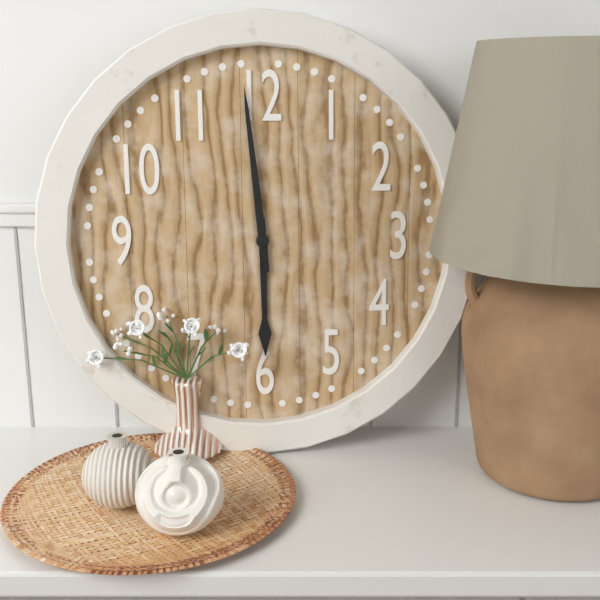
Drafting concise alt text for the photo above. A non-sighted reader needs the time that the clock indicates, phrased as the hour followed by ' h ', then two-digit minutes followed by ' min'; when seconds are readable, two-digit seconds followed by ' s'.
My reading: 5 h 59 min
